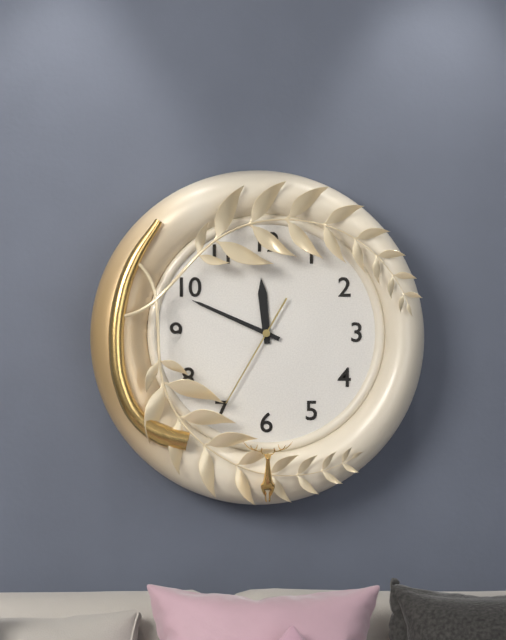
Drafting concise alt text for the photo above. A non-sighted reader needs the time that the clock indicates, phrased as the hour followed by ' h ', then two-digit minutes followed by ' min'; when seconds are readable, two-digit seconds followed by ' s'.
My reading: 11 h 49 min 35 s
